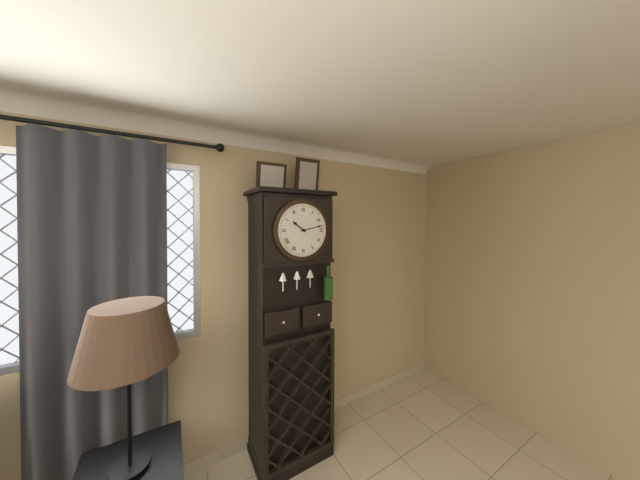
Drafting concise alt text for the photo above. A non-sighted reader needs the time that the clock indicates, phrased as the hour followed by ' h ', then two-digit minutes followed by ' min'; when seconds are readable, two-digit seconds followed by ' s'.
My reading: 10 h 13 min
